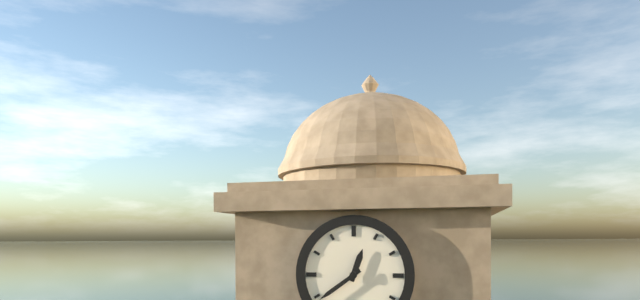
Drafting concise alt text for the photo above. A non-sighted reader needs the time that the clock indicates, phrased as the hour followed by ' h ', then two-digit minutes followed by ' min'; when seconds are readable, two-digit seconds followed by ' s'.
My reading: 12 h 39 min
